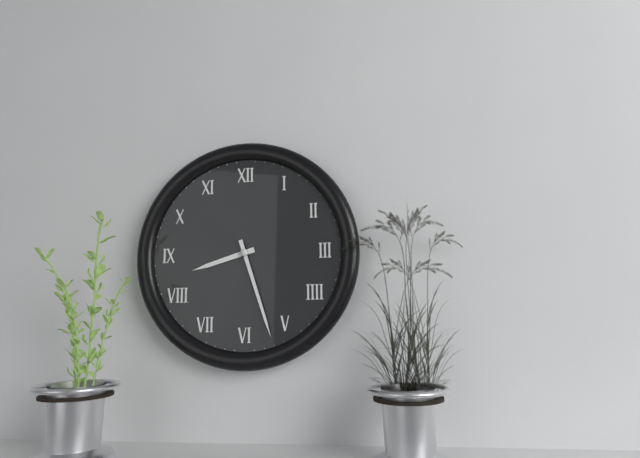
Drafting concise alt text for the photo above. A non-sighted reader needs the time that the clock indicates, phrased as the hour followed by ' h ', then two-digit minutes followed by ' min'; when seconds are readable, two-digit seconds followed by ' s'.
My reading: 8 h 27 min
